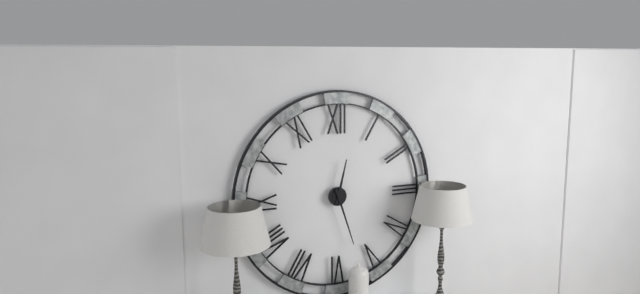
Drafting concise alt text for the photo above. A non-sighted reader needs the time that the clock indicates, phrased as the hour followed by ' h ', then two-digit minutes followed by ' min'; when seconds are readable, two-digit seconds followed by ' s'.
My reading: 12 h 27 min
